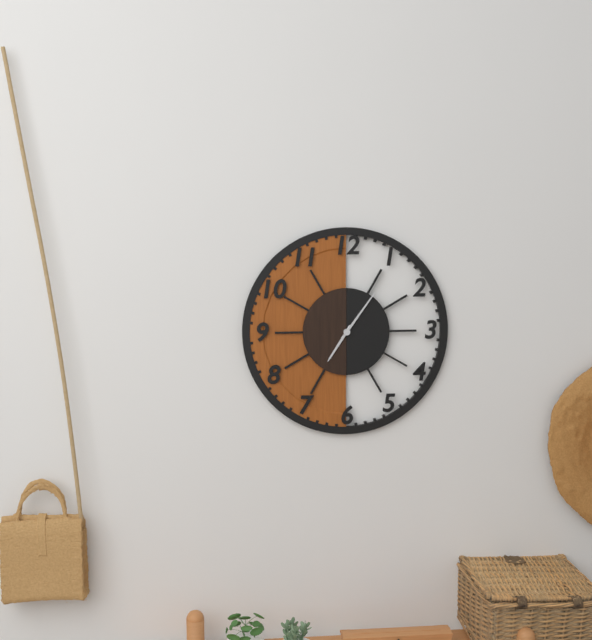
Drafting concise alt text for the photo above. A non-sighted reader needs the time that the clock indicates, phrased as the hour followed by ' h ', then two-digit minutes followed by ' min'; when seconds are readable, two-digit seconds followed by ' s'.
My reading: 7 h 06 min
